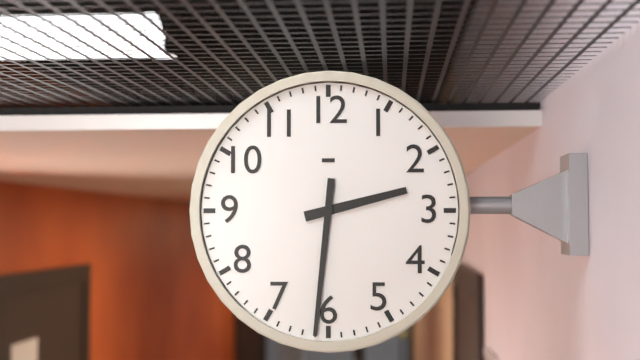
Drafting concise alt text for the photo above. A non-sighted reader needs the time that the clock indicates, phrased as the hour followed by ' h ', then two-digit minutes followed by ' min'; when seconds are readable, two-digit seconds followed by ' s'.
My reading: 2 h 31 min
